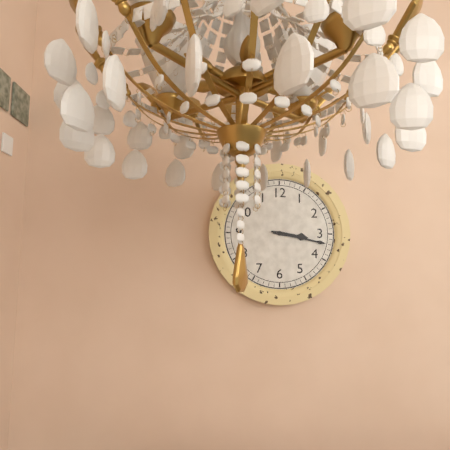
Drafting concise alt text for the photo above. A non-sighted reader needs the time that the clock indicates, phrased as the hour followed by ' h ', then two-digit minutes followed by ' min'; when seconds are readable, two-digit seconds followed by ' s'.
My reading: 3 h 17 min
